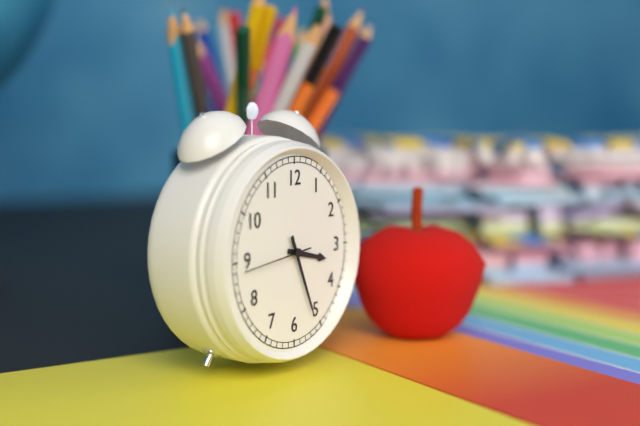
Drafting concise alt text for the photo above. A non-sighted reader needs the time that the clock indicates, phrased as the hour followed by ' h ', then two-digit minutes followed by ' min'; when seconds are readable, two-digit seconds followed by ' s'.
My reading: 3 h 26 min 44 s
